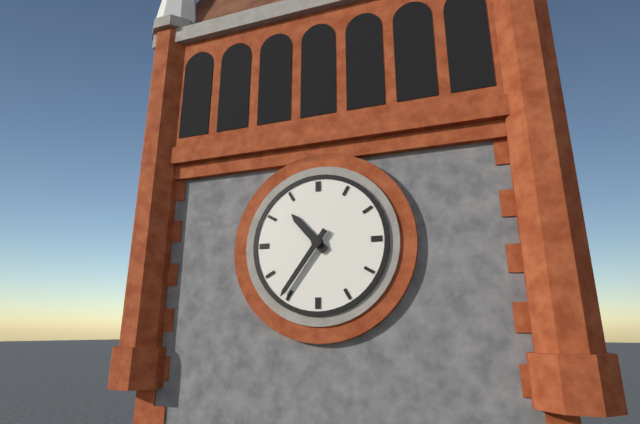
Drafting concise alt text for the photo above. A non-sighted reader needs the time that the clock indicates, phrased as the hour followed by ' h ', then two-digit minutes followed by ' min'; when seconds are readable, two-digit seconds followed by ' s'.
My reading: 10 h 36 min
